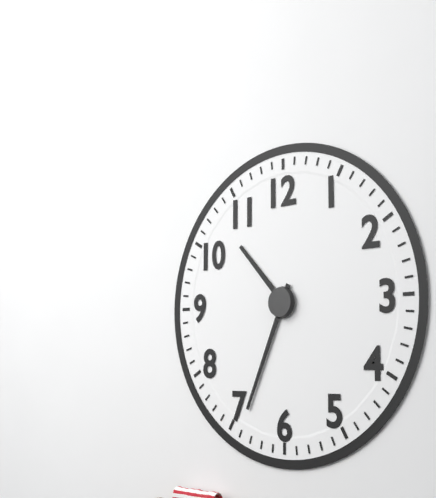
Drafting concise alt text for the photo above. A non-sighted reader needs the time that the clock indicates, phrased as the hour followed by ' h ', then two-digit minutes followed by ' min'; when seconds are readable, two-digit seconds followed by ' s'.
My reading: 10 h 34 min
